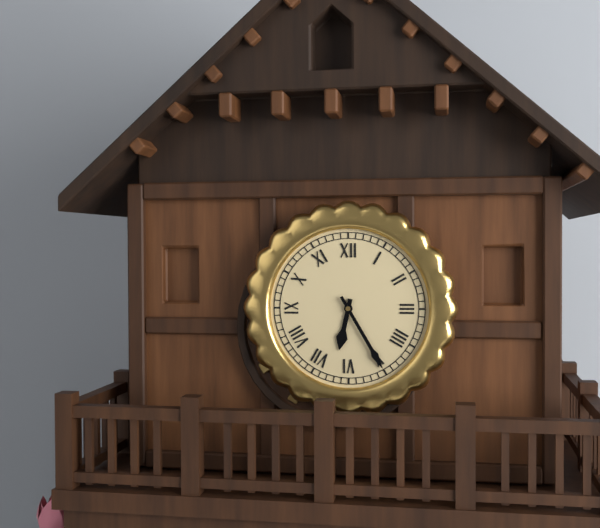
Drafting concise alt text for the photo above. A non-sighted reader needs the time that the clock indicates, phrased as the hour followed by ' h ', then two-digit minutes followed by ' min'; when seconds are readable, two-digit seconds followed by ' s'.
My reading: 6 h 25 min
